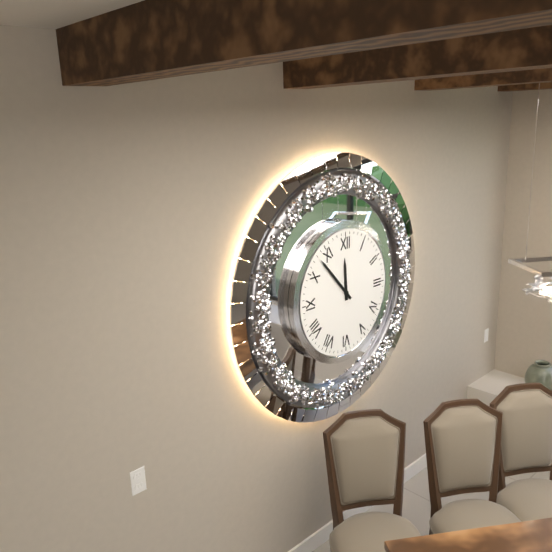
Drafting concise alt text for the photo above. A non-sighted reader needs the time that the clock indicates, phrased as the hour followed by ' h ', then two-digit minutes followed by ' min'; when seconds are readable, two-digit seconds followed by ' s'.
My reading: 11 h 53 min
